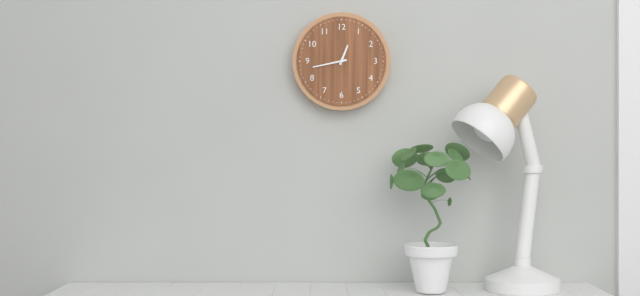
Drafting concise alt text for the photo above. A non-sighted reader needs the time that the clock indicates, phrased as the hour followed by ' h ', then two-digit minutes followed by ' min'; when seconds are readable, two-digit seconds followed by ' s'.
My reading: 12 h 43 min
